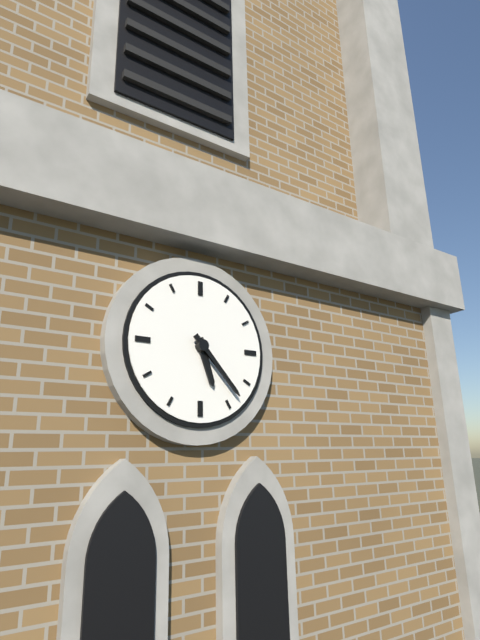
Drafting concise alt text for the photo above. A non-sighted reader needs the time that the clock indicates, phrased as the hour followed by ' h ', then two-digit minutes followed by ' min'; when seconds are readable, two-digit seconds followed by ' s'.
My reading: 5 h 23 min
